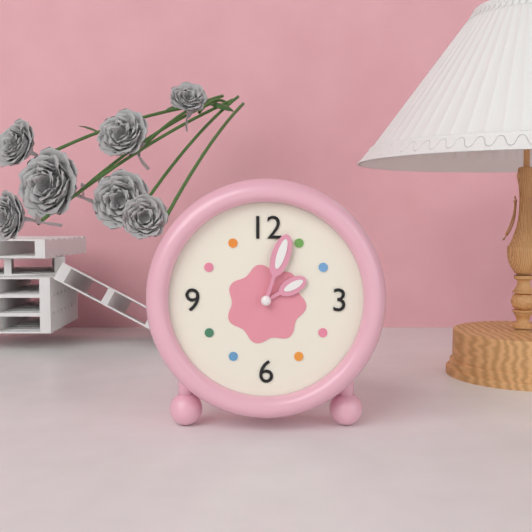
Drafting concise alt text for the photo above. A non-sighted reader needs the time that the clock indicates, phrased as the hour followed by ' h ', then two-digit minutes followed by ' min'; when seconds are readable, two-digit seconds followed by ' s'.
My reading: 2 h 03 min
